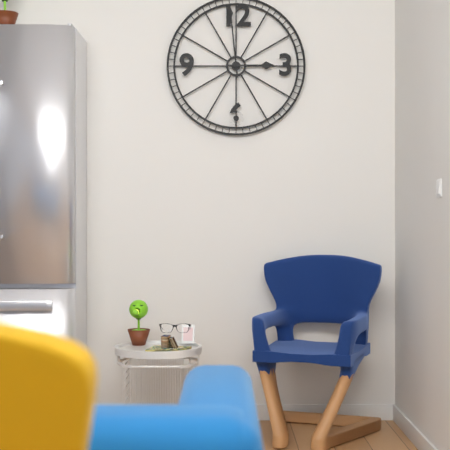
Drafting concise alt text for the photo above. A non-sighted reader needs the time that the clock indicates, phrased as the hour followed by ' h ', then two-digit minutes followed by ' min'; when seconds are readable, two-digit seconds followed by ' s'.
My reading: 2 h 59 min
